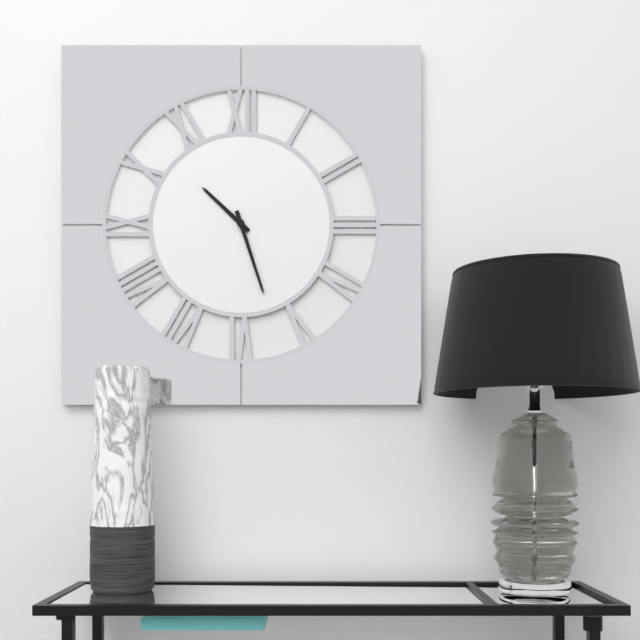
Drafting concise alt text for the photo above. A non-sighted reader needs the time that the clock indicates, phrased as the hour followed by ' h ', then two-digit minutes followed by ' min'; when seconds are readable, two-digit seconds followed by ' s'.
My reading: 10 h 27 min
